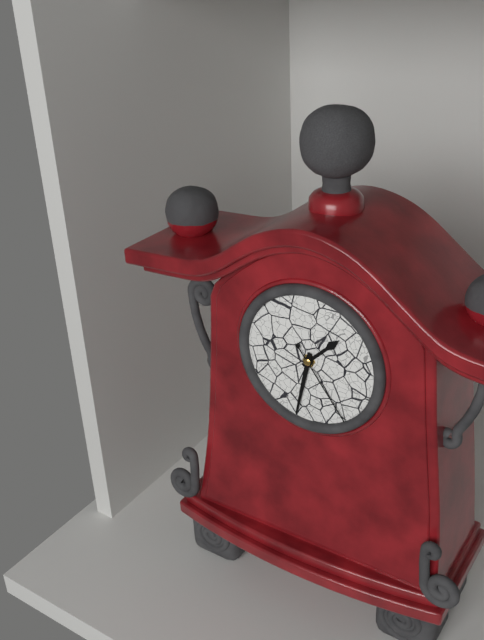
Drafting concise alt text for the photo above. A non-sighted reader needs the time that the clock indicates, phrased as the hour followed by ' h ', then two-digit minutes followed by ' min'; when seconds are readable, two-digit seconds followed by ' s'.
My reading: 1 h 32 min 24 s
